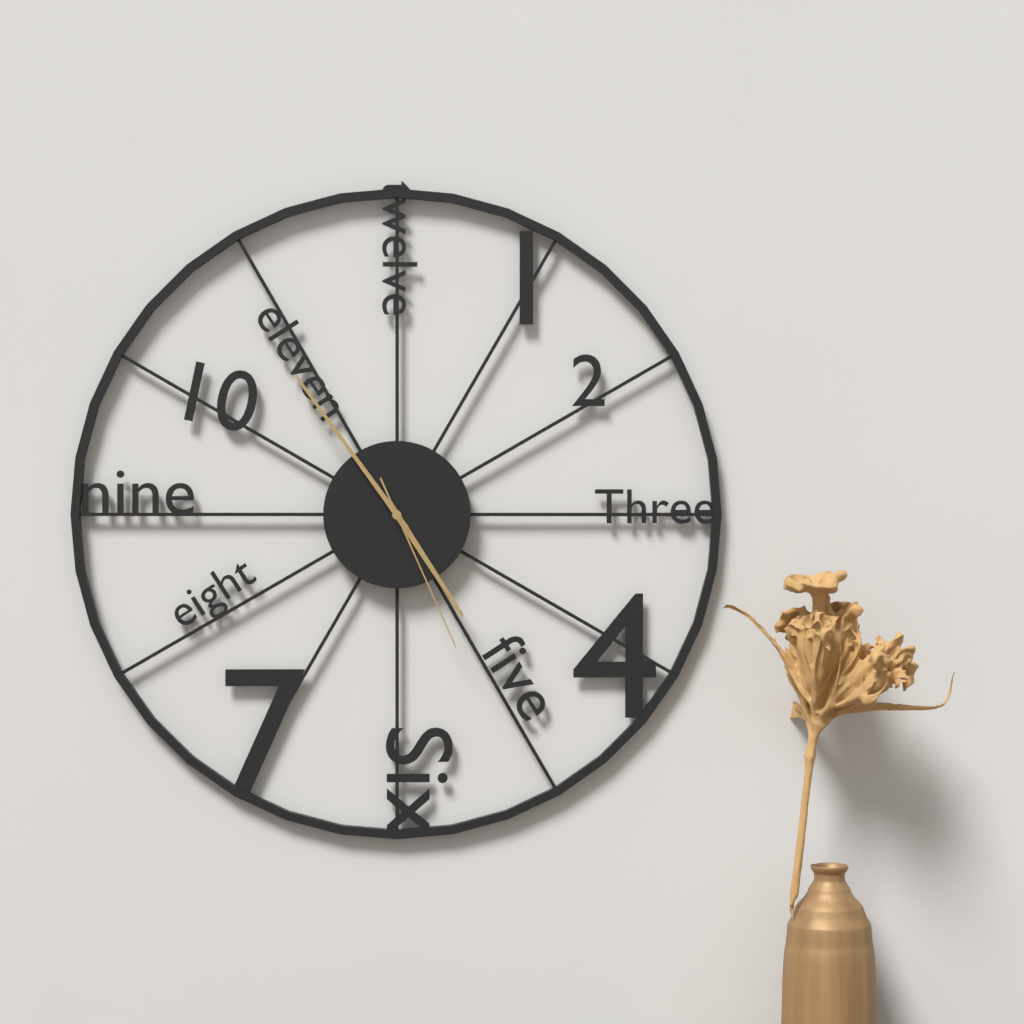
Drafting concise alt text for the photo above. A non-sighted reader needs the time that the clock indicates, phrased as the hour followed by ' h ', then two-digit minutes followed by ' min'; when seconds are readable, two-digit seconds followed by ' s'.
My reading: 4 h 54 min 26 s
